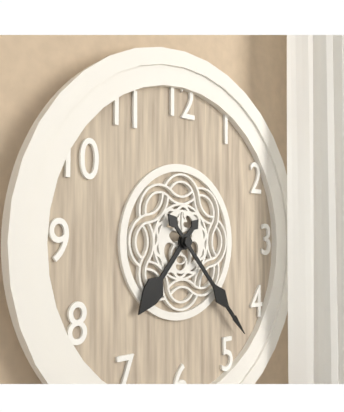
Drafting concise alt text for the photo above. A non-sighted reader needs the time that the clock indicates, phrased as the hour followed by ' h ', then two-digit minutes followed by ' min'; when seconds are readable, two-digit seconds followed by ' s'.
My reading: 7 h 23 min
